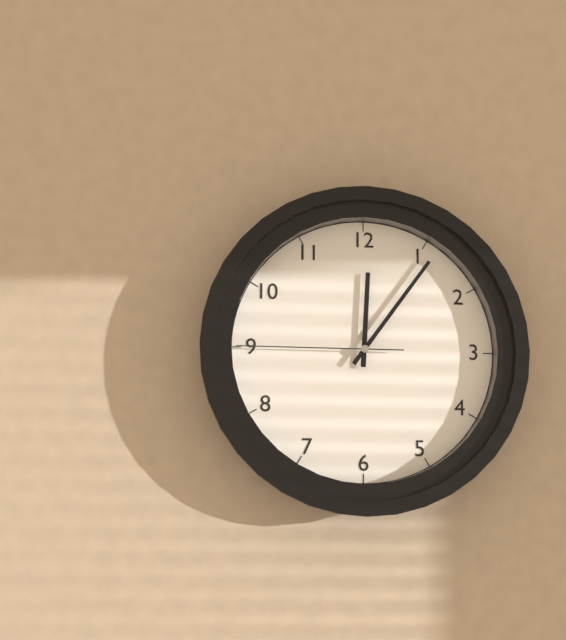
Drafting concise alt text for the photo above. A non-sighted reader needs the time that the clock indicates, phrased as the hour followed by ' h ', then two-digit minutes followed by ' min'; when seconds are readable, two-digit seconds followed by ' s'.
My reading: 12 h 06 min 45 s
